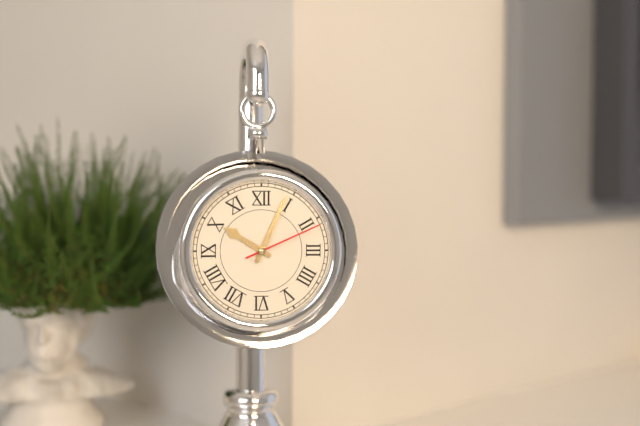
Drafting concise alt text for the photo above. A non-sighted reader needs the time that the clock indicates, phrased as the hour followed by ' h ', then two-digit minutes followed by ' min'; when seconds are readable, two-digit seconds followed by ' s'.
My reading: 10 h 04 min 11 s
